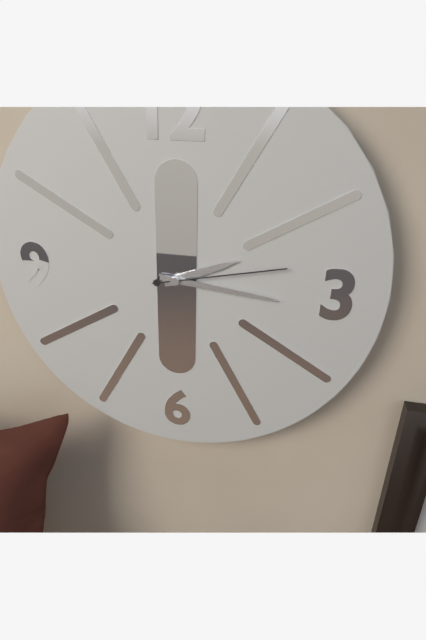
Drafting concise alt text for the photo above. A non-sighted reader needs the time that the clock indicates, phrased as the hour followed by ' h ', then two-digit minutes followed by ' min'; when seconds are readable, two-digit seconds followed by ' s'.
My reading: 2 h 16 min 13 s
